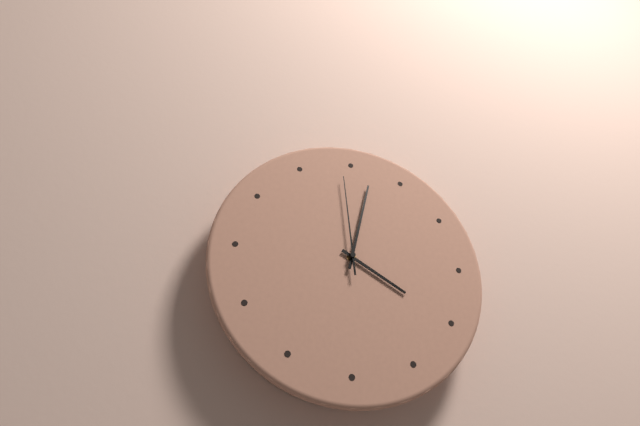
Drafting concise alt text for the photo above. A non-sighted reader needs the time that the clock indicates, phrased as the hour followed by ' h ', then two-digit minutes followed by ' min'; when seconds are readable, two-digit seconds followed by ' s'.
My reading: 4 h 02 min 59 s
